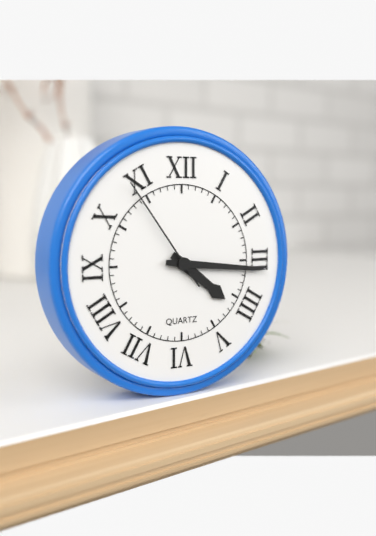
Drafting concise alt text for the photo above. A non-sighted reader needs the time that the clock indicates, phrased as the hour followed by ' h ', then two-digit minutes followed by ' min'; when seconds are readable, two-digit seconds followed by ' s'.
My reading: 4 h 16 min 54 s
